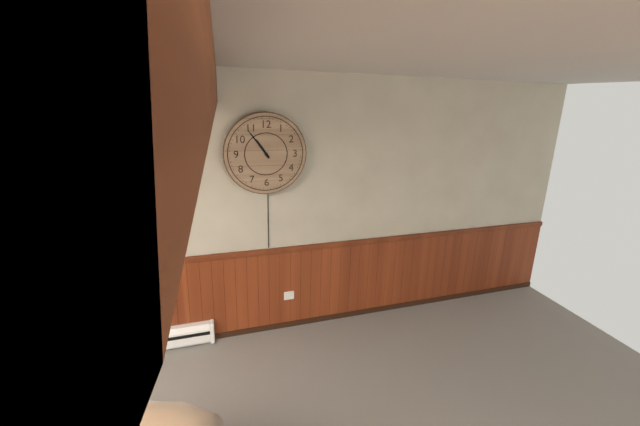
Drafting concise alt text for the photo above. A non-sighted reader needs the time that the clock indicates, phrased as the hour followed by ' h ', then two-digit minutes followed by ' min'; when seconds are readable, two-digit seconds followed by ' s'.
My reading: 10 h 54 min
